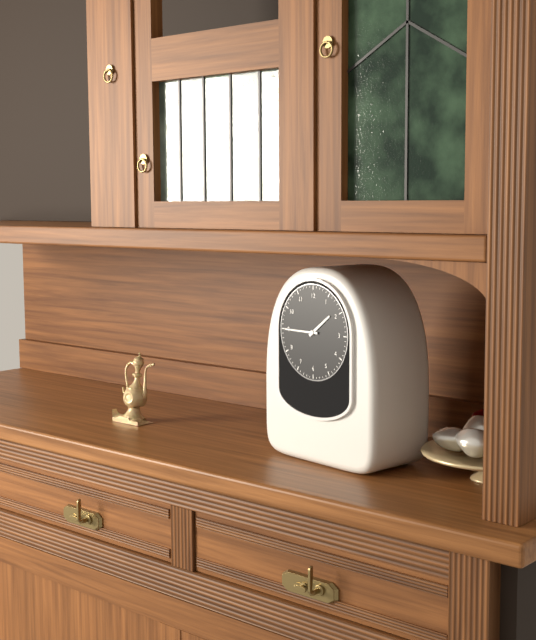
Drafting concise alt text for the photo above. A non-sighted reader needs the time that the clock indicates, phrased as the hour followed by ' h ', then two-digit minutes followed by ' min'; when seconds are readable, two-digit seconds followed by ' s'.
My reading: 1 h 45 min
